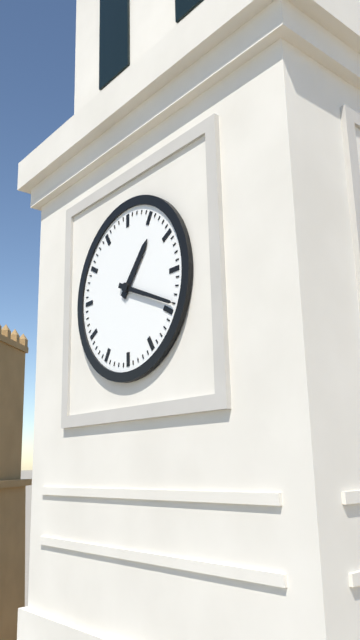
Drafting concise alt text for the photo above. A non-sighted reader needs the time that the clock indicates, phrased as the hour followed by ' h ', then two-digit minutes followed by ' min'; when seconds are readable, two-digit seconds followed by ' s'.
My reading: 1 h 19 min
